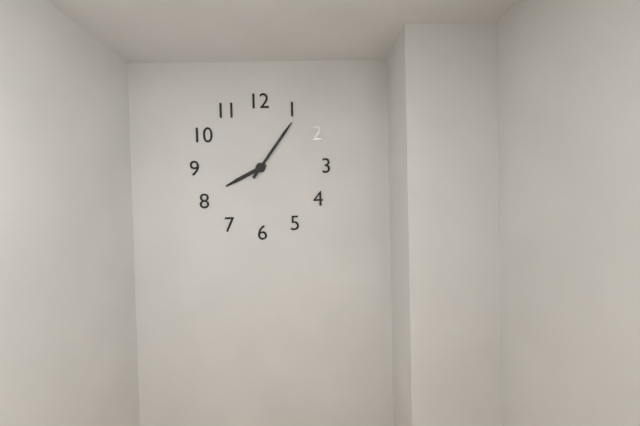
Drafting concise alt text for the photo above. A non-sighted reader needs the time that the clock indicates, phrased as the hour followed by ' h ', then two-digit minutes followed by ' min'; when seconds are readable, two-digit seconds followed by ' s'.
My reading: 8 h 06 min
